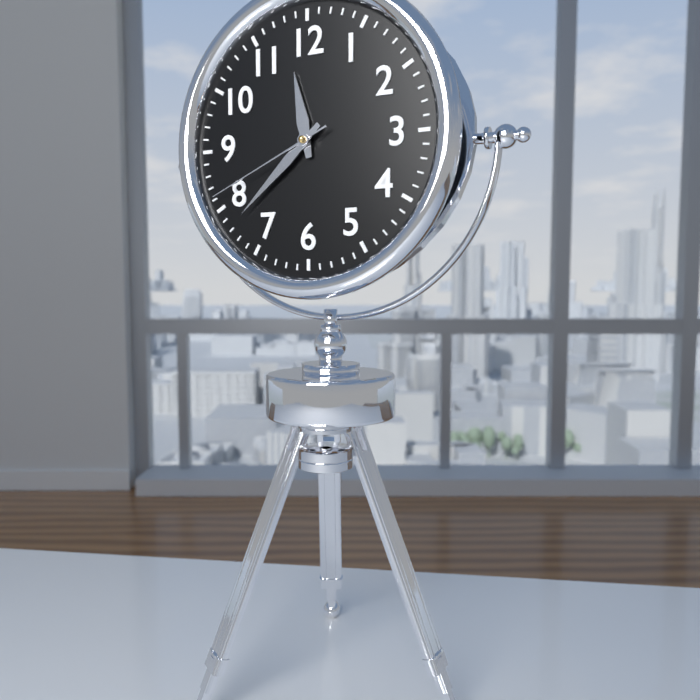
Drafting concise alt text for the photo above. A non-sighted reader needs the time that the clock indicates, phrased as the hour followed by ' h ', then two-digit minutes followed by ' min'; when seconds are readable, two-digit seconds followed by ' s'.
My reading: 11 h 38 min 41 s
